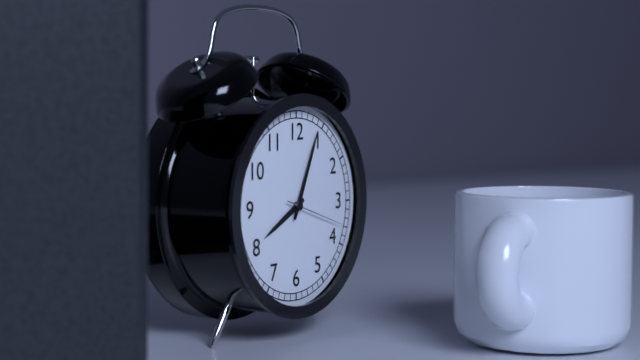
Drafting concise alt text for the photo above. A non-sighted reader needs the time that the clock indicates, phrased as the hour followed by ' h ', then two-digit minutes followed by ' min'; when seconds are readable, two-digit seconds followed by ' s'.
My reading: 8 h 04 min 18 s
